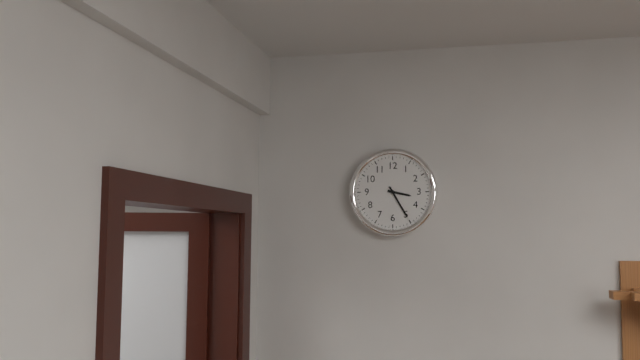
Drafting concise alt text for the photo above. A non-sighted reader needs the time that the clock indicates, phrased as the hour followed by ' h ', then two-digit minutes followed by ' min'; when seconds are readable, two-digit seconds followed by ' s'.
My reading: 3 h 25 min
